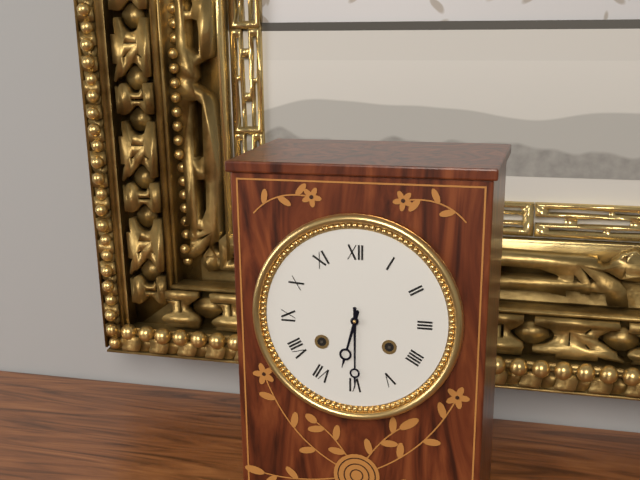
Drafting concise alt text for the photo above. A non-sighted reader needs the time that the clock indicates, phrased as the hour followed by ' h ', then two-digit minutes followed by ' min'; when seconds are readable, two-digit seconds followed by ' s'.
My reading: 6 h 30 min
